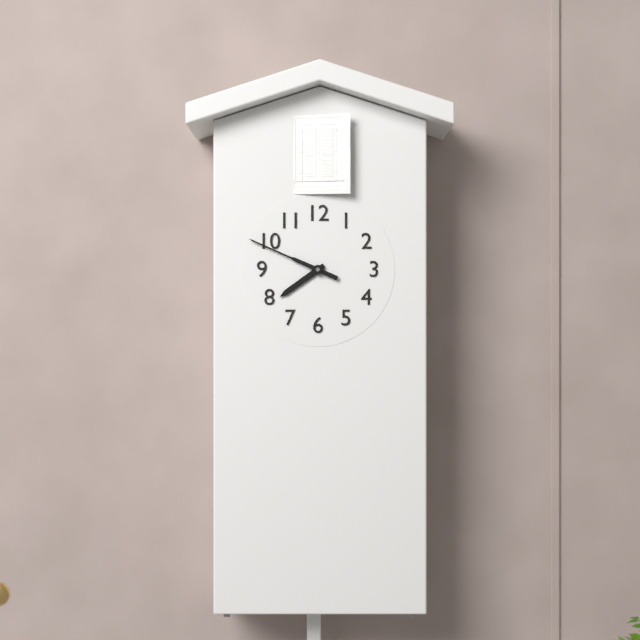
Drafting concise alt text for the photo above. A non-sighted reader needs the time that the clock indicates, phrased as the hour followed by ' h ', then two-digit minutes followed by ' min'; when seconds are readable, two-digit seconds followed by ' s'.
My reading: 7 h 49 min
